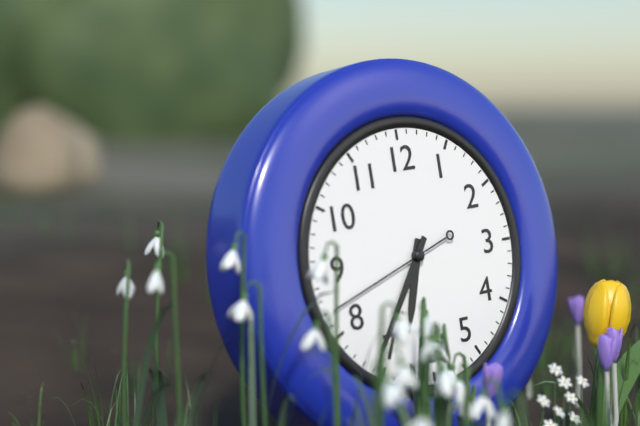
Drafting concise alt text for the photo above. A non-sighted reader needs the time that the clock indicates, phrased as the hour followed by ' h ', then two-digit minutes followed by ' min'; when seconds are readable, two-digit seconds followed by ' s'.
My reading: 6 h 36 min 42 s
